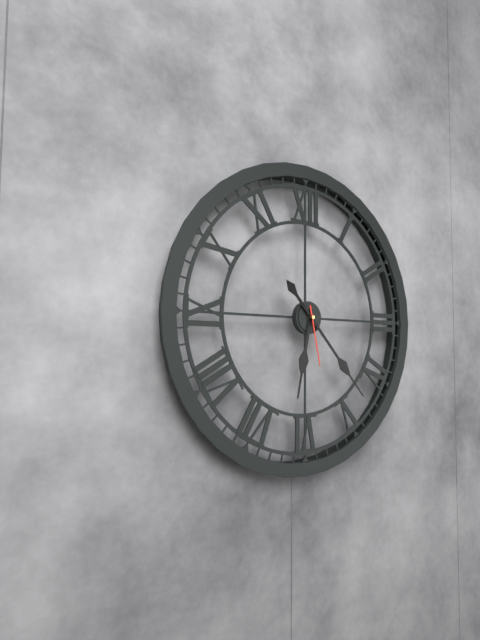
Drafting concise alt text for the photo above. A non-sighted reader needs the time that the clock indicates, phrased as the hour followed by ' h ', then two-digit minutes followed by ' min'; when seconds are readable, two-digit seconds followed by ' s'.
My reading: 6 h 23 min 28 s
